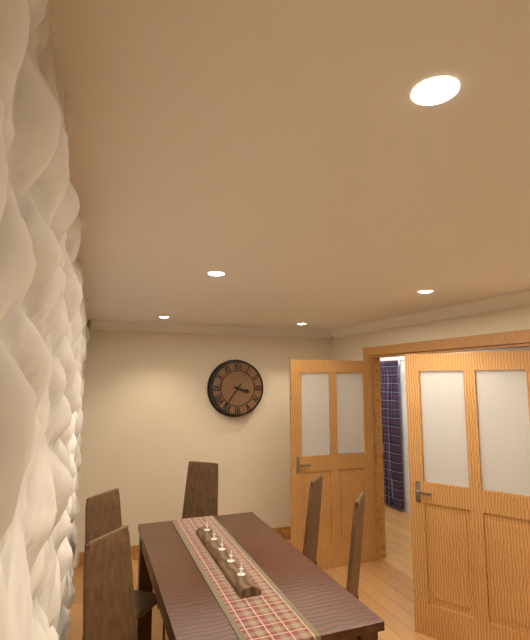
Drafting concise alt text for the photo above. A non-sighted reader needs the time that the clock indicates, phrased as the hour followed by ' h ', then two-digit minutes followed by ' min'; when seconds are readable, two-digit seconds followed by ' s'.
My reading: 3 h 36 min
